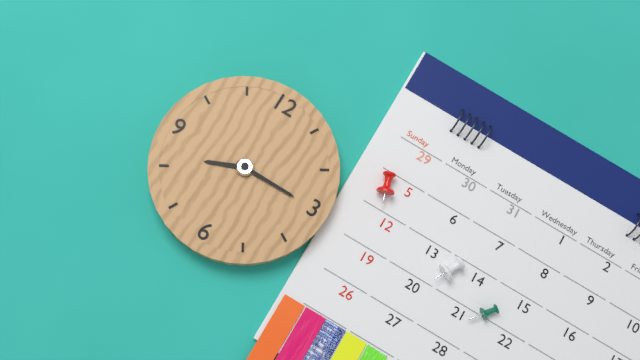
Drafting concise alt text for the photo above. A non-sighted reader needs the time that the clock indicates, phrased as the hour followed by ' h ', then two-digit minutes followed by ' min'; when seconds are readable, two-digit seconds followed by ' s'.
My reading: 8 h 15 min
